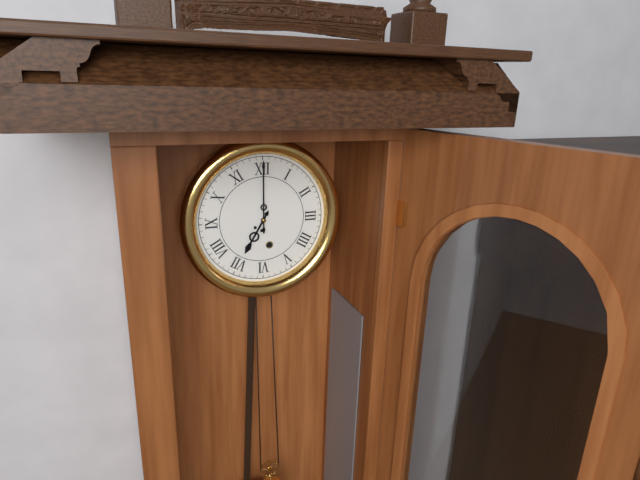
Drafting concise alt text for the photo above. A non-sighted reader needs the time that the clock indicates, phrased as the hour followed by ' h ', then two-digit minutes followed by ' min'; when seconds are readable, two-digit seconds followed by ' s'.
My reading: 7 h 00 min
